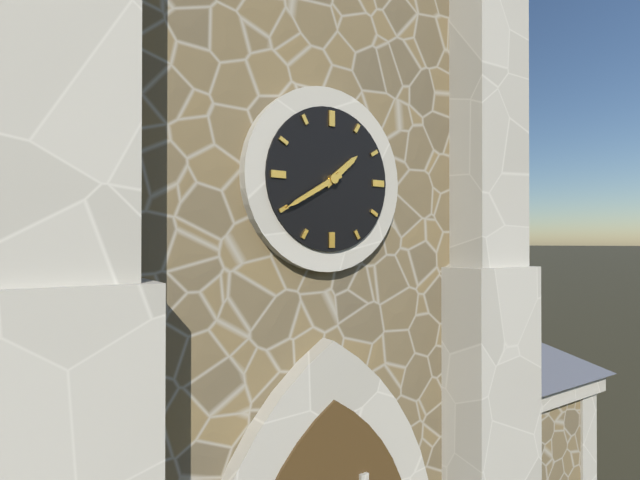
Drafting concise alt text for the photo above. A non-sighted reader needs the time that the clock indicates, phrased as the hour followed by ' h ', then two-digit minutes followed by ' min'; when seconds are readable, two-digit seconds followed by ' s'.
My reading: 1 h 40 min
